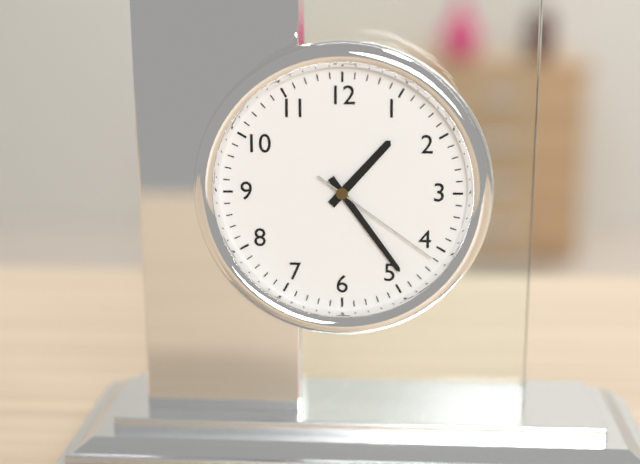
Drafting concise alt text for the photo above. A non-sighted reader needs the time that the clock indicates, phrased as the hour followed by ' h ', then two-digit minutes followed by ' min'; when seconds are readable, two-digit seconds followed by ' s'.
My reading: 1 h 24 min 21 s
